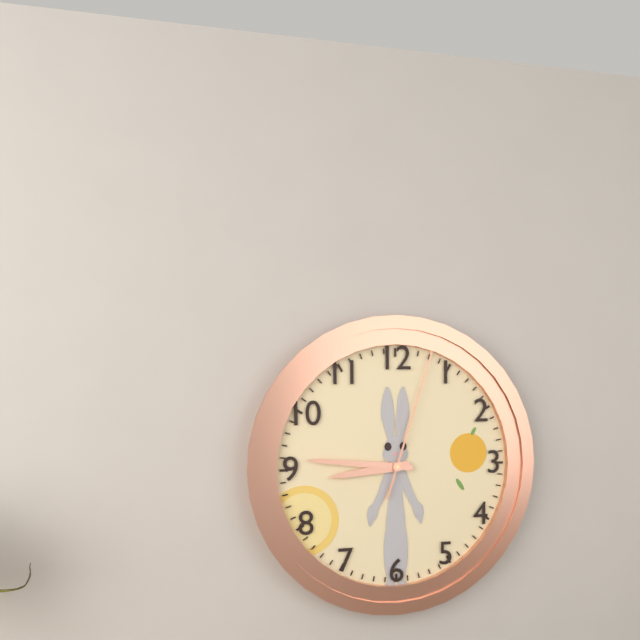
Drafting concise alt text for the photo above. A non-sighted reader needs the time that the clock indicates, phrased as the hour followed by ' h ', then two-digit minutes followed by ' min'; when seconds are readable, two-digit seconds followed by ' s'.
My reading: 8 h 46 min 03 s
